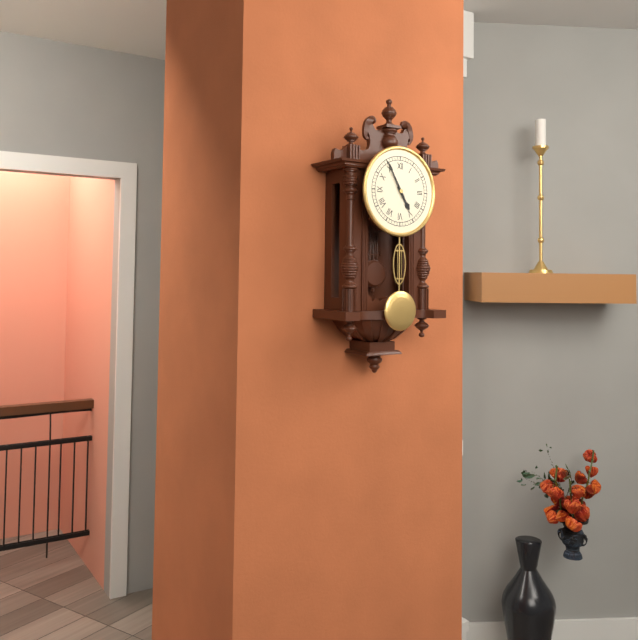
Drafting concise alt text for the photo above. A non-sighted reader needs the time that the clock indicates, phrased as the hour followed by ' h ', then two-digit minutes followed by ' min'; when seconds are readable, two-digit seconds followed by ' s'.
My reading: 4 h 55 min
